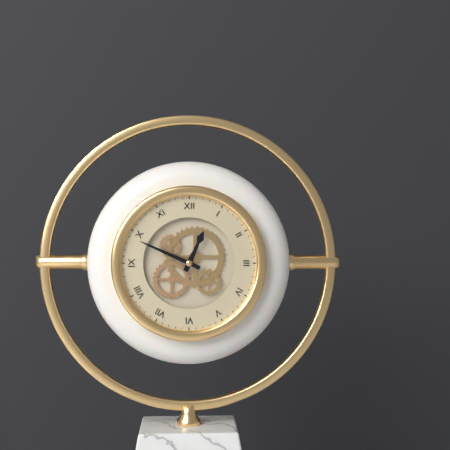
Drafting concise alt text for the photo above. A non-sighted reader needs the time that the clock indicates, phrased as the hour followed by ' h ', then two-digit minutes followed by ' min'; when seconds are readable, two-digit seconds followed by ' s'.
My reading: 12 h 49 min
